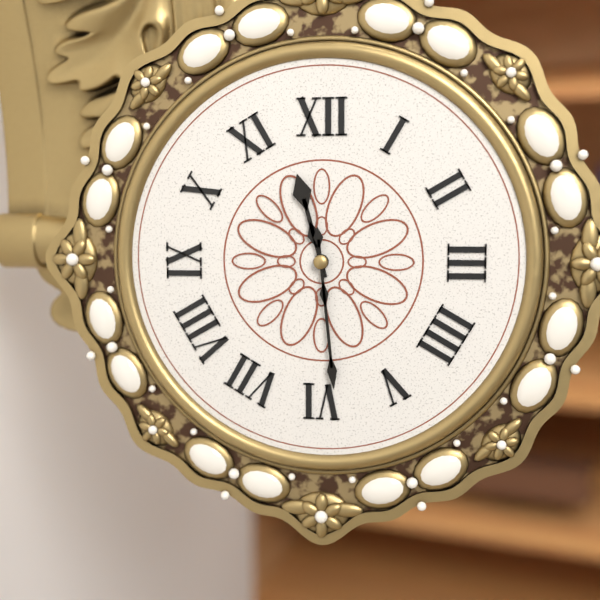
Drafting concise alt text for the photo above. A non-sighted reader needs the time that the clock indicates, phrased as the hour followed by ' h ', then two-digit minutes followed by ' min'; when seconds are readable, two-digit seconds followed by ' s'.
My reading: 11 h 29 min
